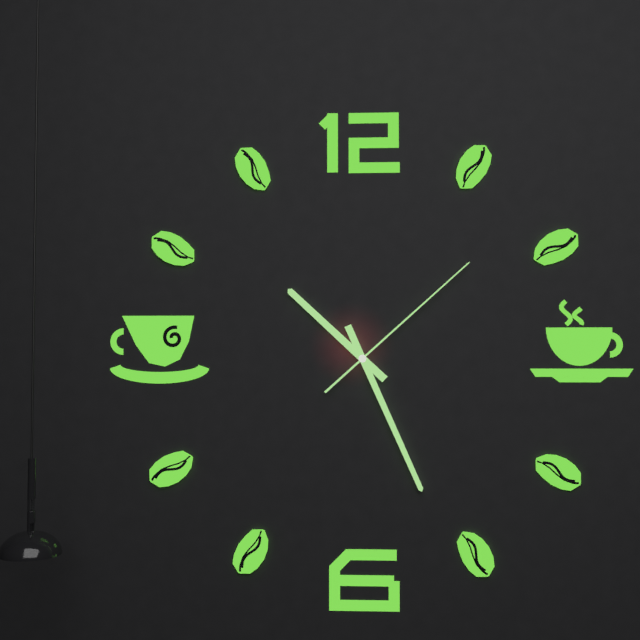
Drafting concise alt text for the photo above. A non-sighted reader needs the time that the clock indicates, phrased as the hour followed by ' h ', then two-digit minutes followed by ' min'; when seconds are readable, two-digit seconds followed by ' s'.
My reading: 10 h 26 min 08 s
